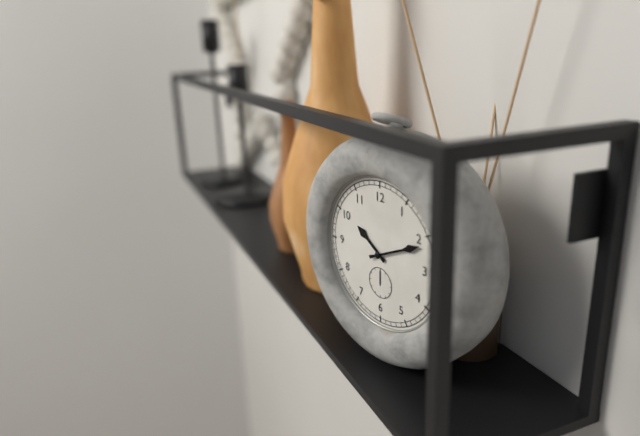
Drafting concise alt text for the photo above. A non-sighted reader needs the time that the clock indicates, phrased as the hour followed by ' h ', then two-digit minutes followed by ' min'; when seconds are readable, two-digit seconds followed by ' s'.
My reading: 10 h 11 min
